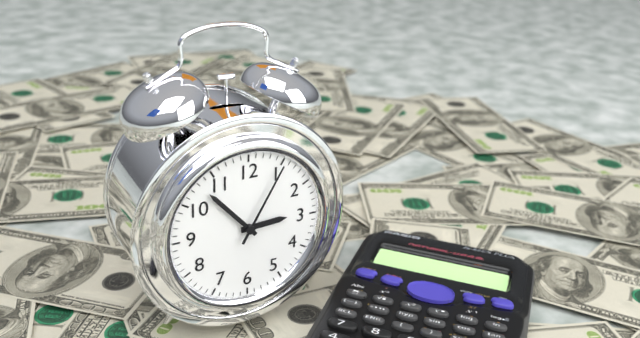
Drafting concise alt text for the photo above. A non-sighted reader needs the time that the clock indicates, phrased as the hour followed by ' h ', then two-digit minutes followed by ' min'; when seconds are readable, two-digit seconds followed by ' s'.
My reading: 2 h 53 min 05 s
